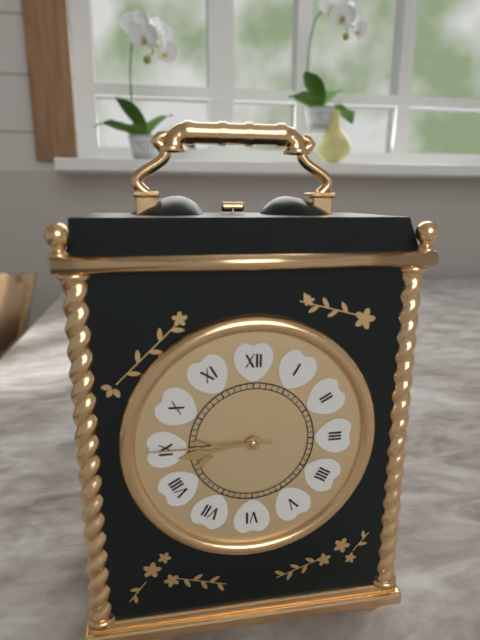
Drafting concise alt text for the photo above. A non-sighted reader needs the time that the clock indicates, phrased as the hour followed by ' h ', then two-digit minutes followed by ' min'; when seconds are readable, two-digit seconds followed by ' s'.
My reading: 8 h 45 min
